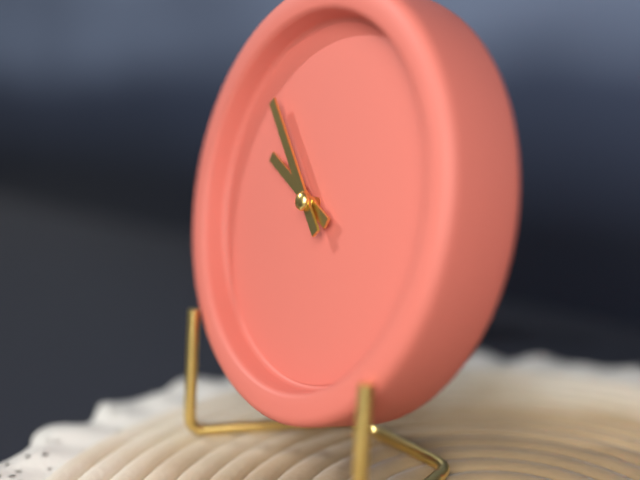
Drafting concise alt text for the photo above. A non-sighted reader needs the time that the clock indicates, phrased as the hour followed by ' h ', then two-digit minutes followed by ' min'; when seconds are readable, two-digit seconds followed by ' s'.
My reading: 9 h 53 min
